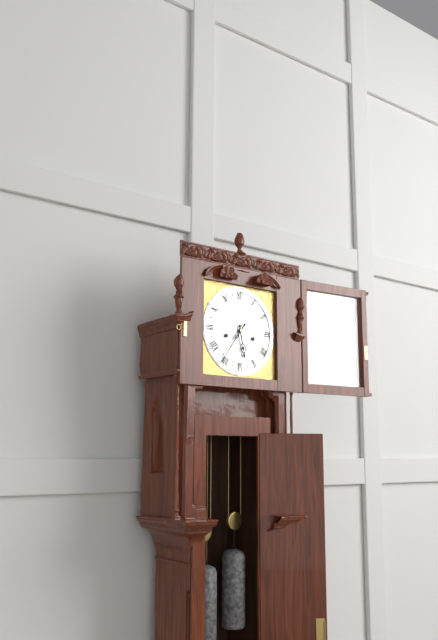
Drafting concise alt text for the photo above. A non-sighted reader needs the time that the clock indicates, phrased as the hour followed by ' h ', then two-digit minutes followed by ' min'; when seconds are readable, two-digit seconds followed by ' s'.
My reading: 5 h 36 min
